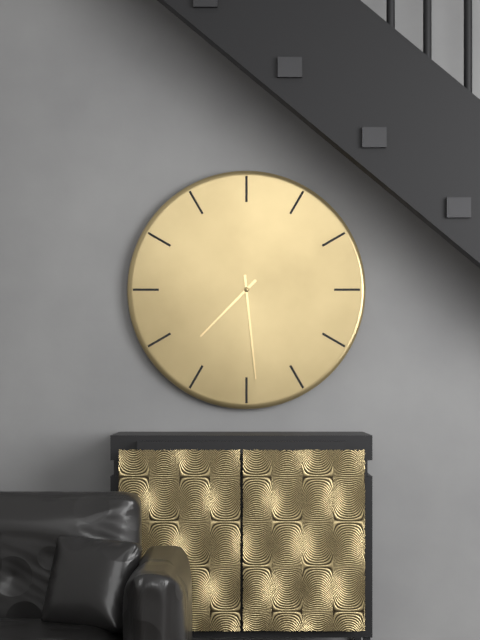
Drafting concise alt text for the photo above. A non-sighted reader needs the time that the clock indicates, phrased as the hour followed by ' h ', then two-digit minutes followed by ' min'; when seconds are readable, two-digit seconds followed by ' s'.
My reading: 7 h 29 min
